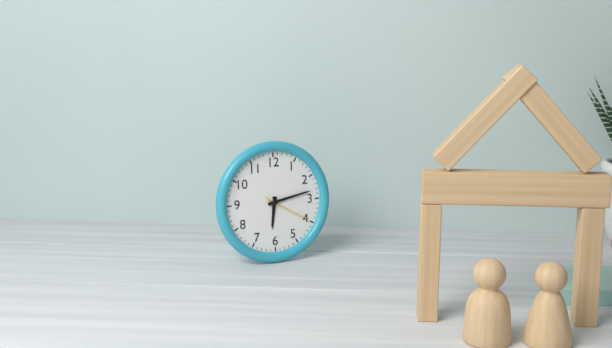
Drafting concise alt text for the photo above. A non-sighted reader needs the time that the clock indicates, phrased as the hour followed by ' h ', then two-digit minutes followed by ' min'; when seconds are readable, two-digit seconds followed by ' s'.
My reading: 6 h 13 min
